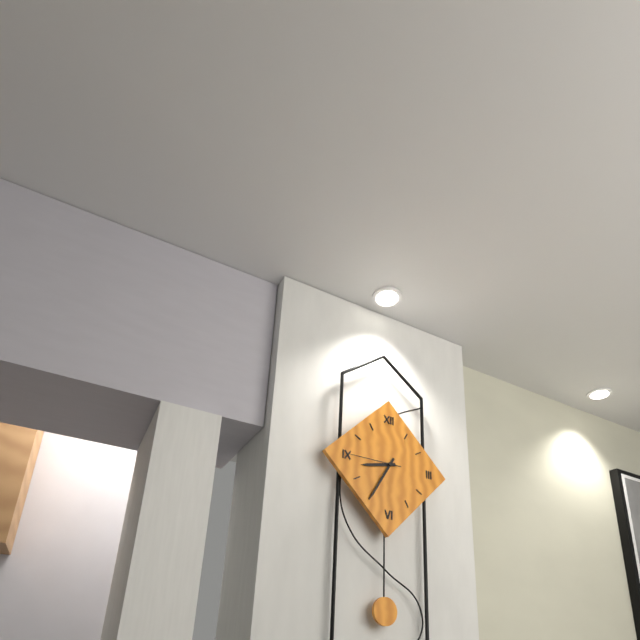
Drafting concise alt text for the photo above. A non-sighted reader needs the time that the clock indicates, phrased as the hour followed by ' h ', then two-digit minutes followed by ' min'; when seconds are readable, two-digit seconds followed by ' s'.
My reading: 8 h 35 min 45 s
